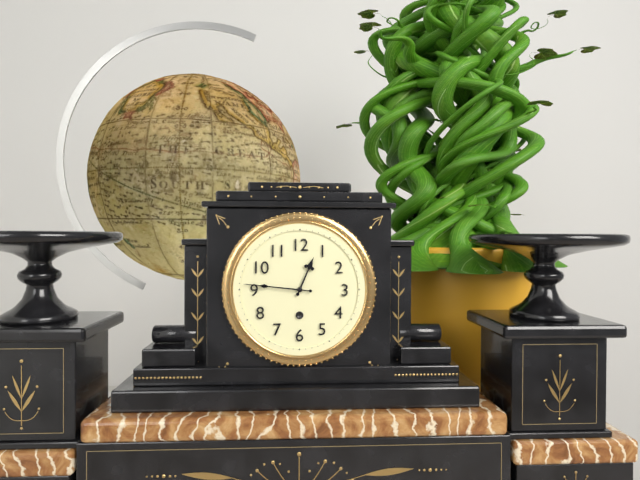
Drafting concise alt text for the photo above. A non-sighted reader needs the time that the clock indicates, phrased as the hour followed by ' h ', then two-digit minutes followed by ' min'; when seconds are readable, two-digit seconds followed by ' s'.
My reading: 12 h 46 min
